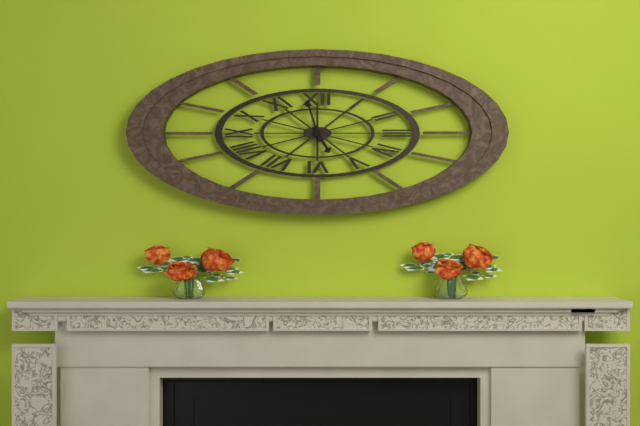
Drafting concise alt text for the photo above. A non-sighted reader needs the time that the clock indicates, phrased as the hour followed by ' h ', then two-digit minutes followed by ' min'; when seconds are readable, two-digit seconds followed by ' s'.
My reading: 4 h 57 min
